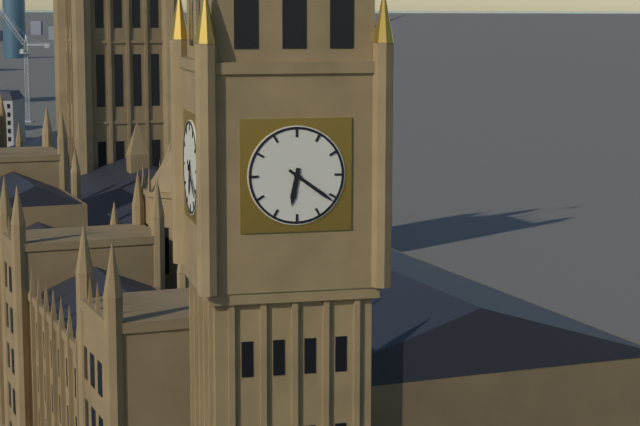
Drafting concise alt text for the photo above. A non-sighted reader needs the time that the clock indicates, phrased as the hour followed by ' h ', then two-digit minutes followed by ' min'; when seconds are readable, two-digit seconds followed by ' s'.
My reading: 6 h 21 min
